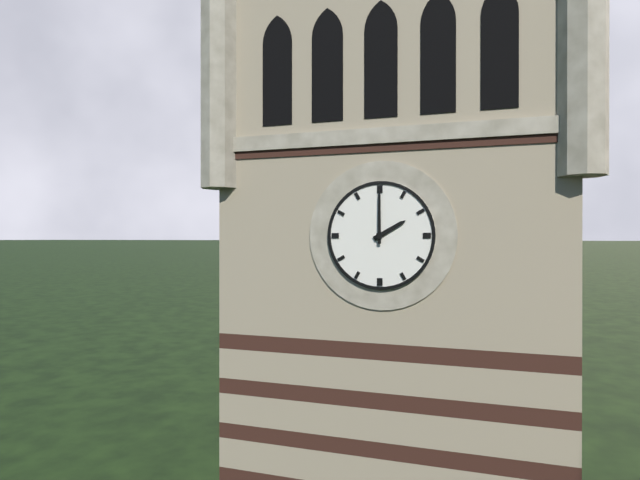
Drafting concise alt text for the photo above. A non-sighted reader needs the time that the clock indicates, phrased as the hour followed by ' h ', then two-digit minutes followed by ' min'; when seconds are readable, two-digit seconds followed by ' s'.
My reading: 2 h 00 min
